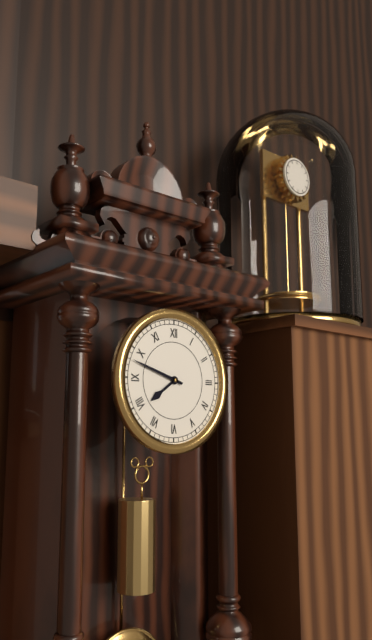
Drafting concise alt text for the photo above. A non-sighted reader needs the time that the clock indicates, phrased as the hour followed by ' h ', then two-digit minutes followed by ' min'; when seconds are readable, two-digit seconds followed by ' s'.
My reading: 7 h 48 min
